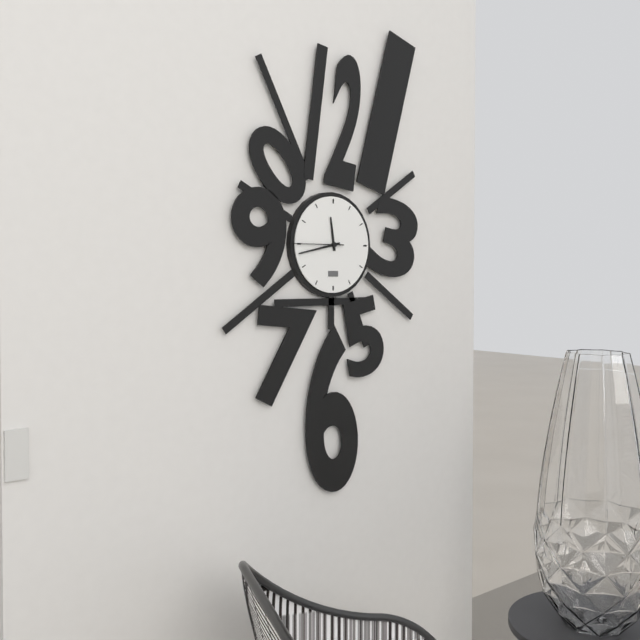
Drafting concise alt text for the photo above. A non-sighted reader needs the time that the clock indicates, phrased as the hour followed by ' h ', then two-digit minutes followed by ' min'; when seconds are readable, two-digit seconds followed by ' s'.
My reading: 11 h 43 min 45 s
